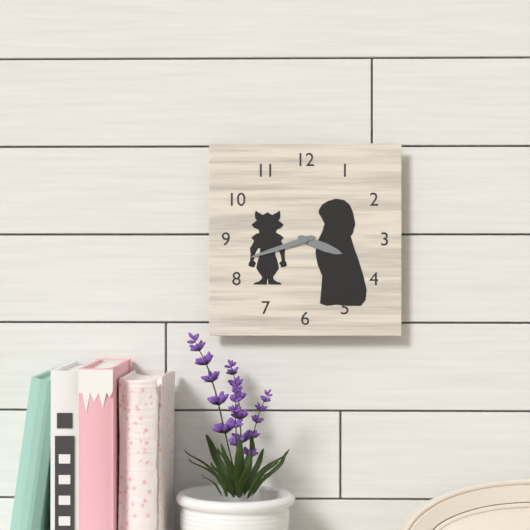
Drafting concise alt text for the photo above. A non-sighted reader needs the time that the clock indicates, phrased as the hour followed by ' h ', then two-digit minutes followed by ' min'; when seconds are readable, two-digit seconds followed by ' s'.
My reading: 3 h 42 min
